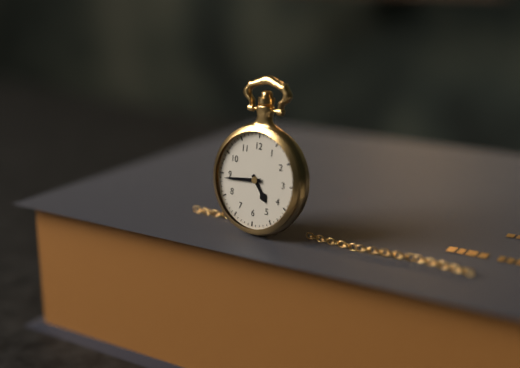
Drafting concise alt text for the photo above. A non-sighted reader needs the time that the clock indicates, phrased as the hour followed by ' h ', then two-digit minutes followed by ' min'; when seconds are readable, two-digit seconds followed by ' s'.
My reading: 4 h 44 min
